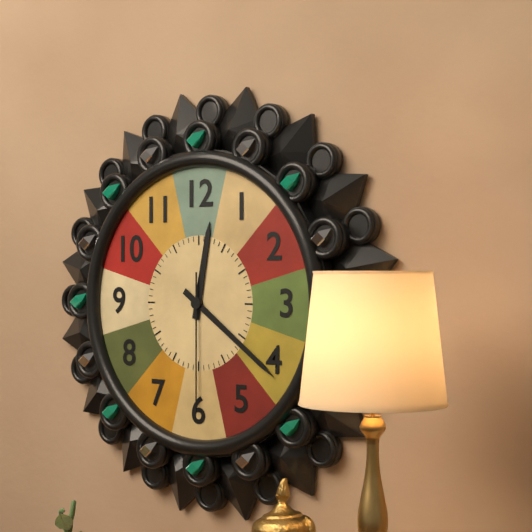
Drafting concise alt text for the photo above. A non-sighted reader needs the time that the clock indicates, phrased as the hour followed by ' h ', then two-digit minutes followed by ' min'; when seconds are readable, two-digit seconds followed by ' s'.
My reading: 12 h 21 min 30 s
